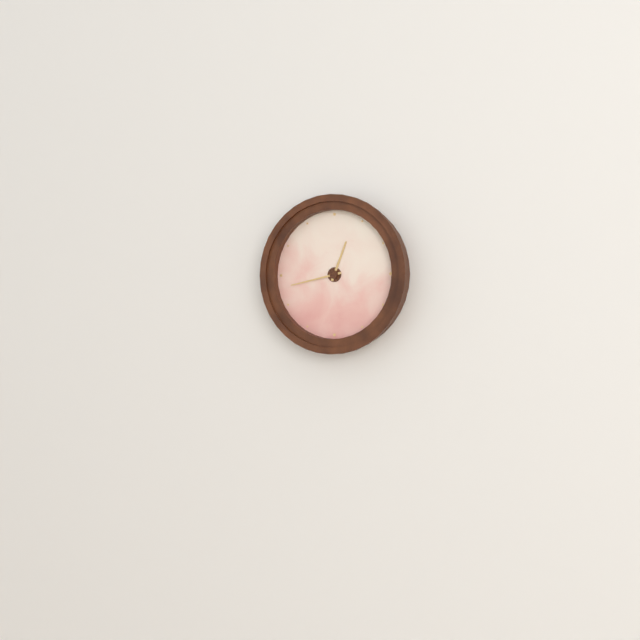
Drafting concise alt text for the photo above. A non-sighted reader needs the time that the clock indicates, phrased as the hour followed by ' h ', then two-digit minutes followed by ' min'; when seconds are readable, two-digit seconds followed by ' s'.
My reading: 12 h 43 min
